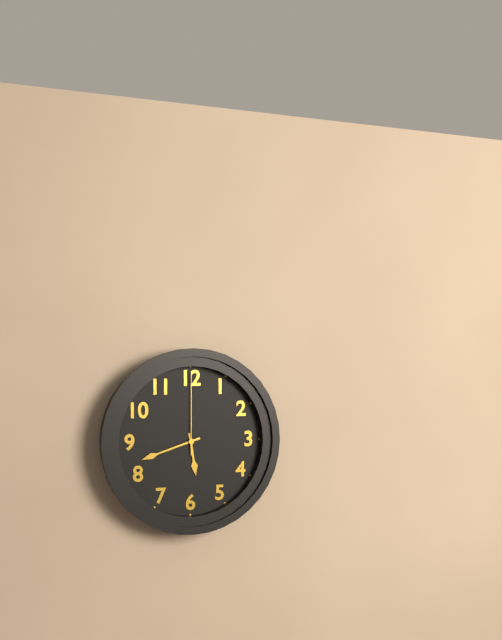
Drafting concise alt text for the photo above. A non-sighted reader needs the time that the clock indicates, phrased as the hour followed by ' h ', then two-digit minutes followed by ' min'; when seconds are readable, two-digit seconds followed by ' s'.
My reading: 5 h 42 min 00 s
